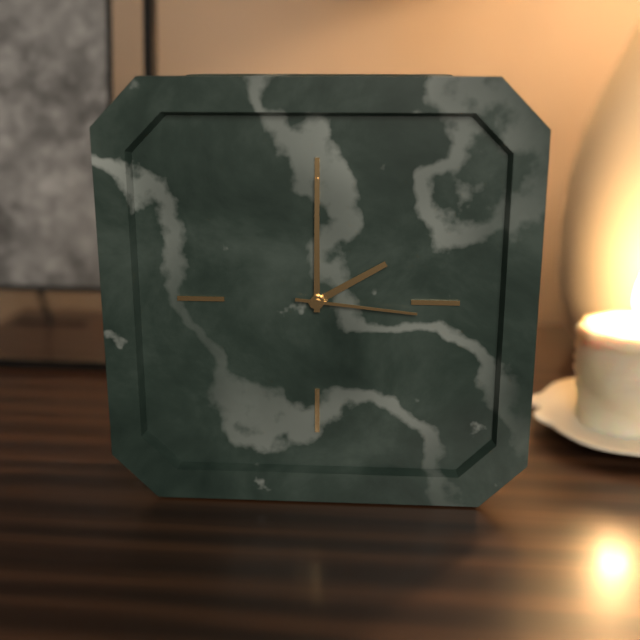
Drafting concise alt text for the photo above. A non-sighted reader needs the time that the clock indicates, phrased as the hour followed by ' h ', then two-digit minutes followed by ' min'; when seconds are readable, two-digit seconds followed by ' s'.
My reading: 2 h 00 min 16 s
